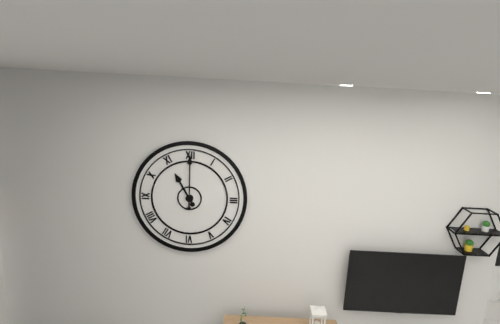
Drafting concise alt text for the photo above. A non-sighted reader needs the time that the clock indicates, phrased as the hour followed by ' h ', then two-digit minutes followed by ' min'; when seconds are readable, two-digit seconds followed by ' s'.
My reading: 11 h 00 min
